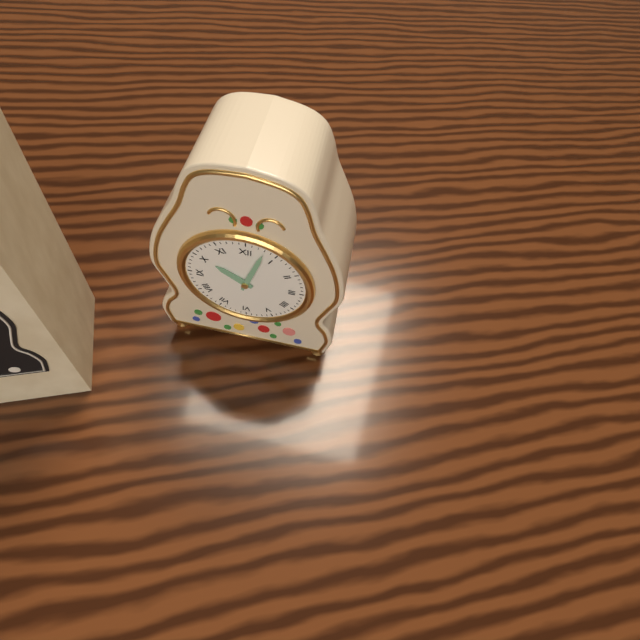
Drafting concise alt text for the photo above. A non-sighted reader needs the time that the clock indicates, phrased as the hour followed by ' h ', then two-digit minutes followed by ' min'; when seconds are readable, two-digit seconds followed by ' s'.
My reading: 10 h 03 min
